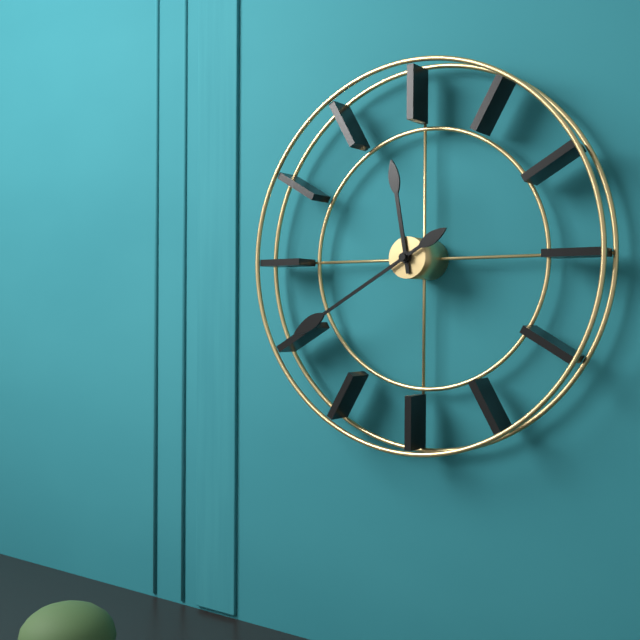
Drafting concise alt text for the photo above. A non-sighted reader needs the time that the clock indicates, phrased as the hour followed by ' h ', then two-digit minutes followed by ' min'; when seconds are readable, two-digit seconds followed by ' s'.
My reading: 11 h 40 min
